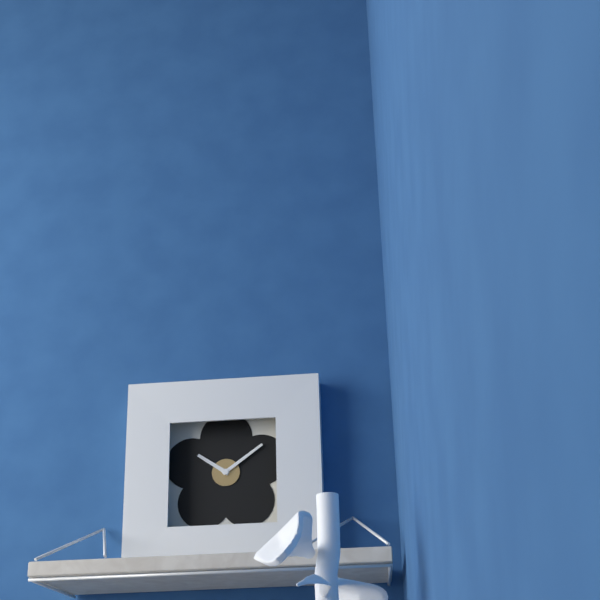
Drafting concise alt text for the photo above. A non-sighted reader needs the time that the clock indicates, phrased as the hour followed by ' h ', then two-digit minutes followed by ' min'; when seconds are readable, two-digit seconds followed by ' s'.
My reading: 10 h 09 min
